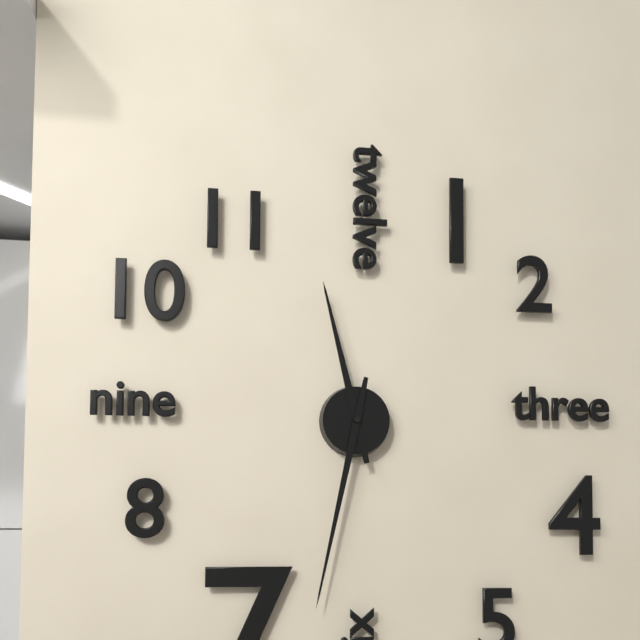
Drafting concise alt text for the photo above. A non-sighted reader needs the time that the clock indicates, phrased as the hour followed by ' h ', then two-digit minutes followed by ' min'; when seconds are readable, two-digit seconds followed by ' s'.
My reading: 11 h 32 min
